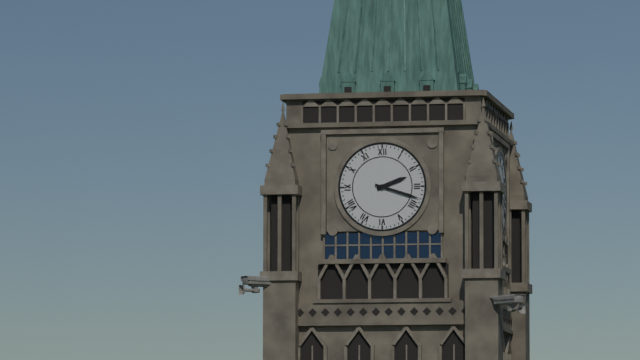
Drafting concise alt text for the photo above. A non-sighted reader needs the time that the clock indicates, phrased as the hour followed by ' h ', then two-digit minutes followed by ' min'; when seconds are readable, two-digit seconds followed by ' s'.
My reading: 2 h 18 min
